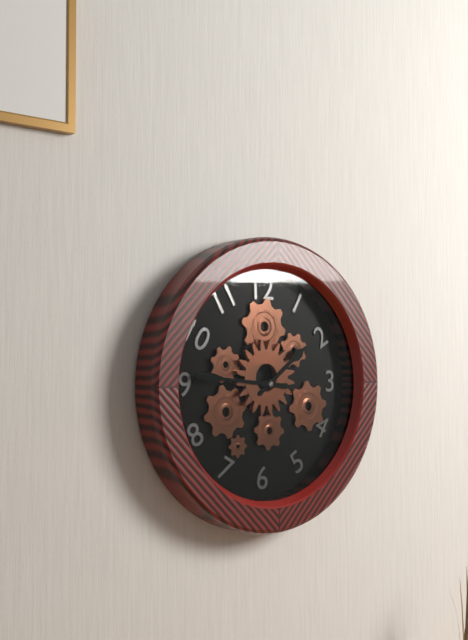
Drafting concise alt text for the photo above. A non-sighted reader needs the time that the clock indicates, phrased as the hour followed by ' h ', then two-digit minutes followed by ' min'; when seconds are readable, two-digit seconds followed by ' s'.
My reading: 1 h 46 min
